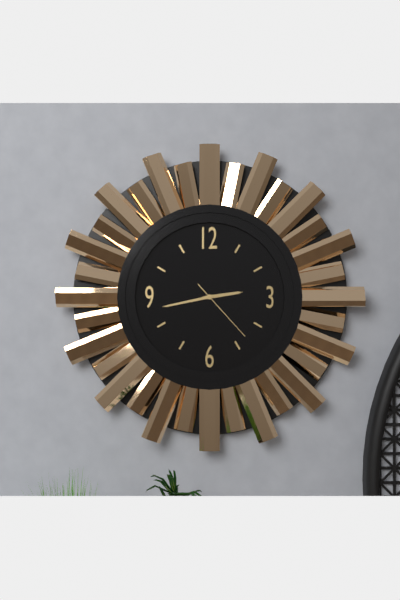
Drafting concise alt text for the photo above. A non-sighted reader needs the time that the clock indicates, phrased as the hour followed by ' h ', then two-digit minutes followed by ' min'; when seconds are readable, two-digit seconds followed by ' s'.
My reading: 2 h 43 min 23 s
